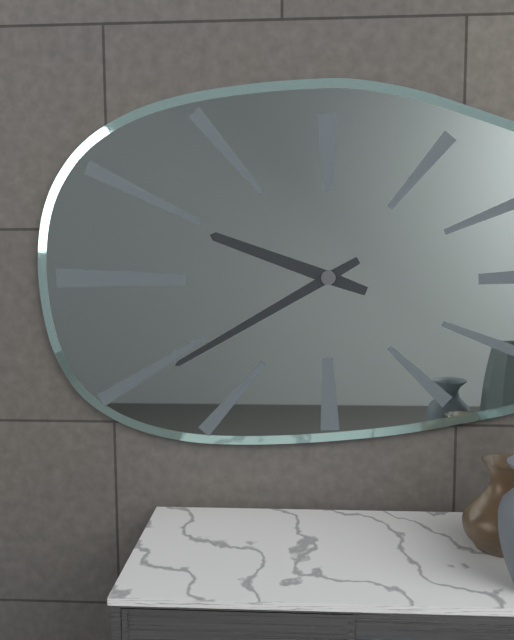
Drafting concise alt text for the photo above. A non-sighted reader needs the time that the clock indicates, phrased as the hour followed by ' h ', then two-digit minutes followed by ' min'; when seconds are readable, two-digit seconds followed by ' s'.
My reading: 9 h 40 min
